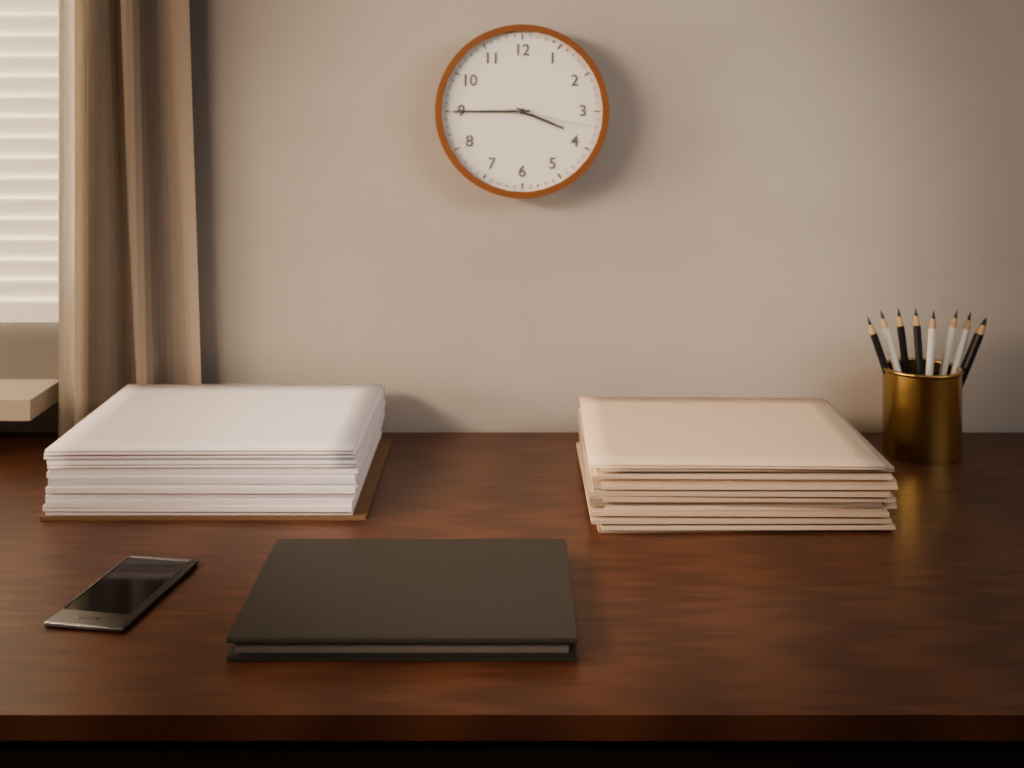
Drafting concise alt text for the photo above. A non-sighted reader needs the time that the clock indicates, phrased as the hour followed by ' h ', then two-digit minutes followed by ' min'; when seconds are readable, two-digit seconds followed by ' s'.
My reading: 3 h 45 min 17 s
